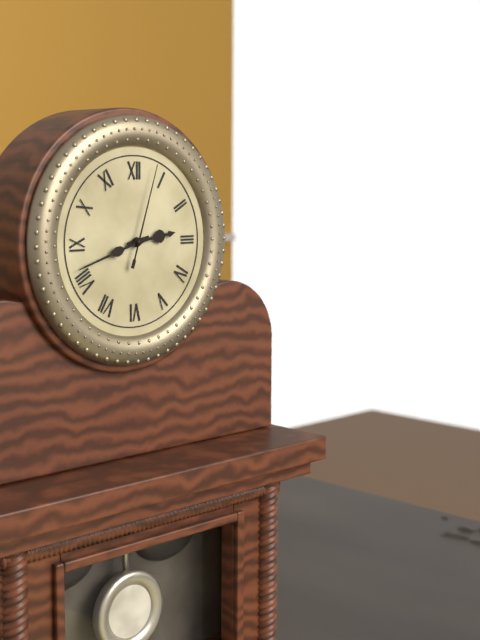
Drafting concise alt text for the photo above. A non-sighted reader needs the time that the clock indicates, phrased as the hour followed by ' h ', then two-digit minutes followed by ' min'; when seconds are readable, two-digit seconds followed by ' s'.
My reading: 2 h 42 min 03 s
